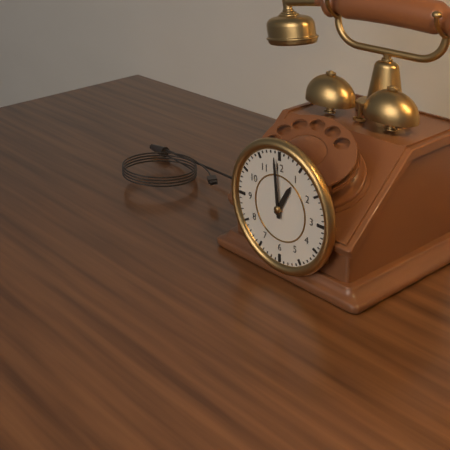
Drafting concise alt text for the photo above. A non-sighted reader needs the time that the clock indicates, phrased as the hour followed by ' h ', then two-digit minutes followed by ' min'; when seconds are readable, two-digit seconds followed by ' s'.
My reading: 12 h 59 min
